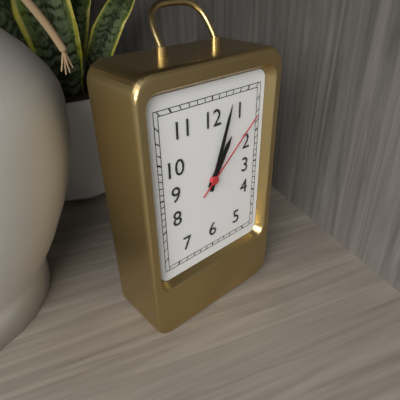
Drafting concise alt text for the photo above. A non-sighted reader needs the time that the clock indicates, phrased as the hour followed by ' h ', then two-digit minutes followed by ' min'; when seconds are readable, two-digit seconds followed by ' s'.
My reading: 1 h 03 min 08 s
